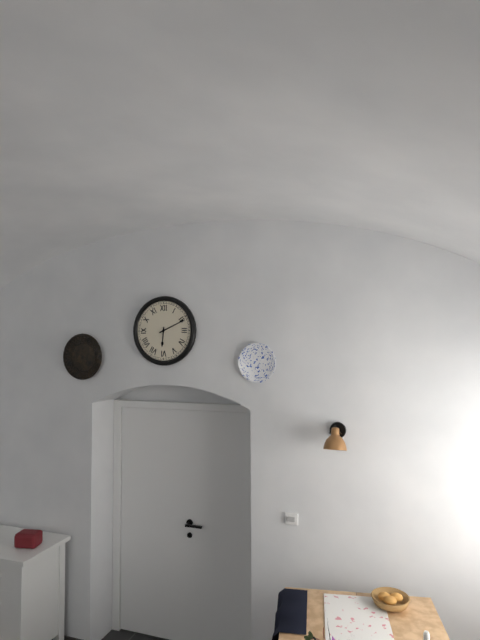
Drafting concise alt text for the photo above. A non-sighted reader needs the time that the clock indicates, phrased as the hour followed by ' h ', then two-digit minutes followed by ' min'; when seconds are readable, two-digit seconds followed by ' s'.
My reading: 6 h 11 min
